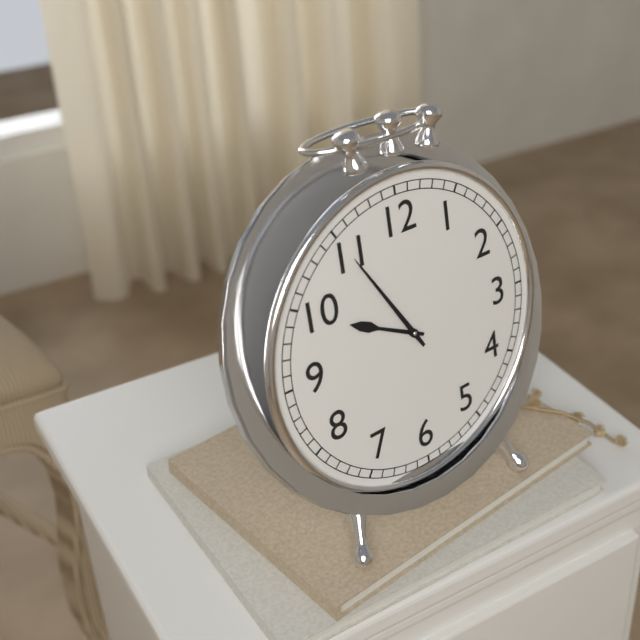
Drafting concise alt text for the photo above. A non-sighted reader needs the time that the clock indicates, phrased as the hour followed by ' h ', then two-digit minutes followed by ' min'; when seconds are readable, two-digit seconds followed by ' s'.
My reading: 9 h 55 min
